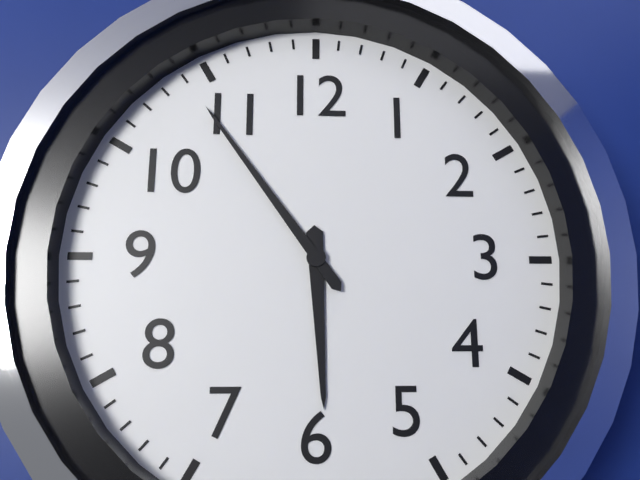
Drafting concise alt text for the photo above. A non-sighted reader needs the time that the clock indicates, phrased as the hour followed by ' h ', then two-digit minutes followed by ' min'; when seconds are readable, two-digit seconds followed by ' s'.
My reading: 5 h 54 min
